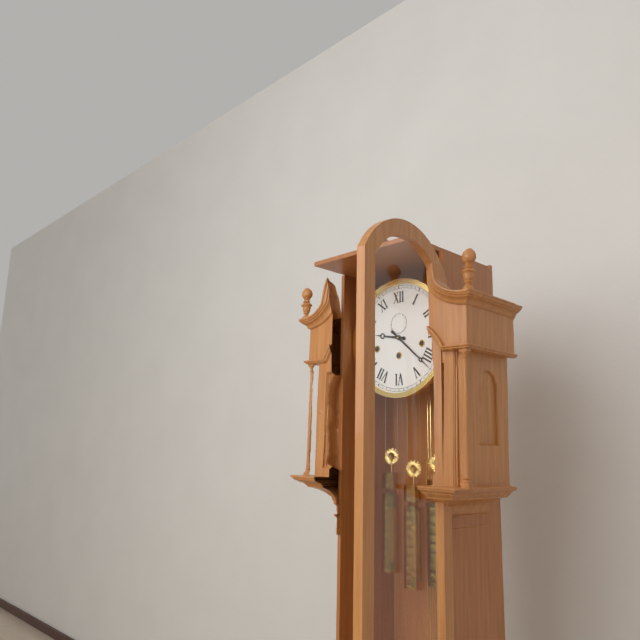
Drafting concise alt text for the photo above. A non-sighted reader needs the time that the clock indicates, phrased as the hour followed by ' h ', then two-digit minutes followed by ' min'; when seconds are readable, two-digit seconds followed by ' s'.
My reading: 9 h 22 min
